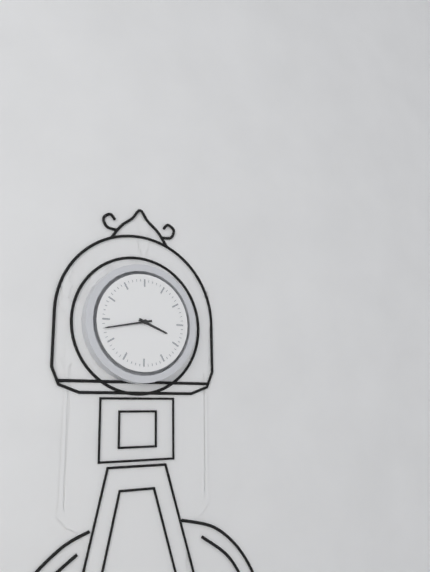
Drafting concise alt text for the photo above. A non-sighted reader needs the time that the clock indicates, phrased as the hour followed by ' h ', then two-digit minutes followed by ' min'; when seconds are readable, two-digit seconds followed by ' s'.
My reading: 3 h 43 min
